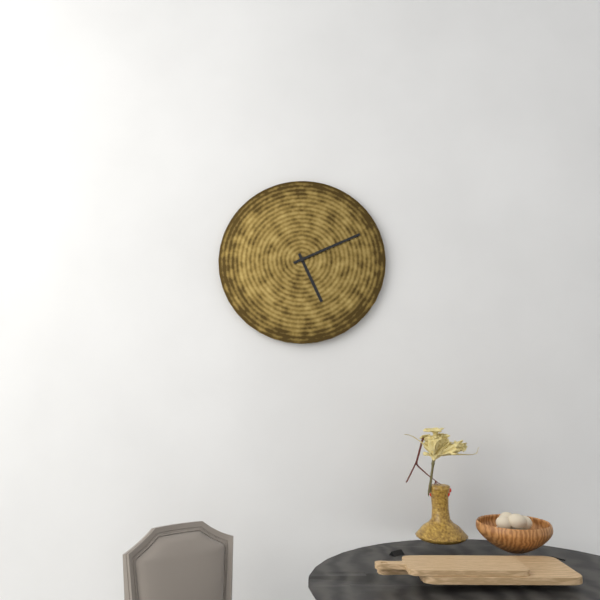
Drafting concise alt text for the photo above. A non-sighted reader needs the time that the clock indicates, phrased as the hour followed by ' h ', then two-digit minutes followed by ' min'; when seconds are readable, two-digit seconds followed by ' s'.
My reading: 5 h 11 min
